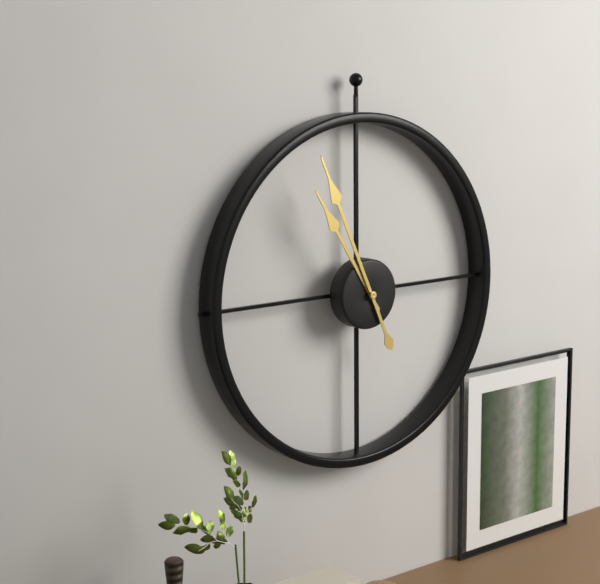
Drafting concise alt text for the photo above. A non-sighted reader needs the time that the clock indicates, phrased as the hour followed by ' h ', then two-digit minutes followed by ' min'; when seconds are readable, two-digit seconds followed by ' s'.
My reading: 10 h 56 min
